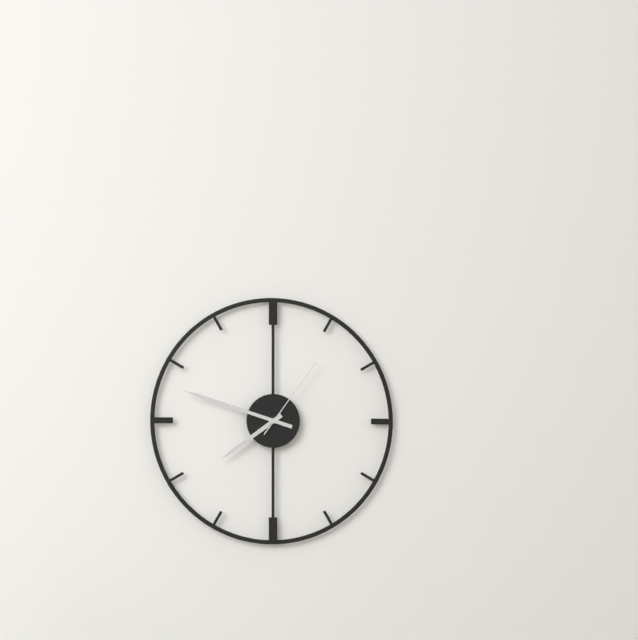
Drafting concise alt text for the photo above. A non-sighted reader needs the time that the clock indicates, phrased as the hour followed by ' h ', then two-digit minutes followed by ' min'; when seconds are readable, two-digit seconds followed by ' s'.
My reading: 7 h 48 min 06 s
